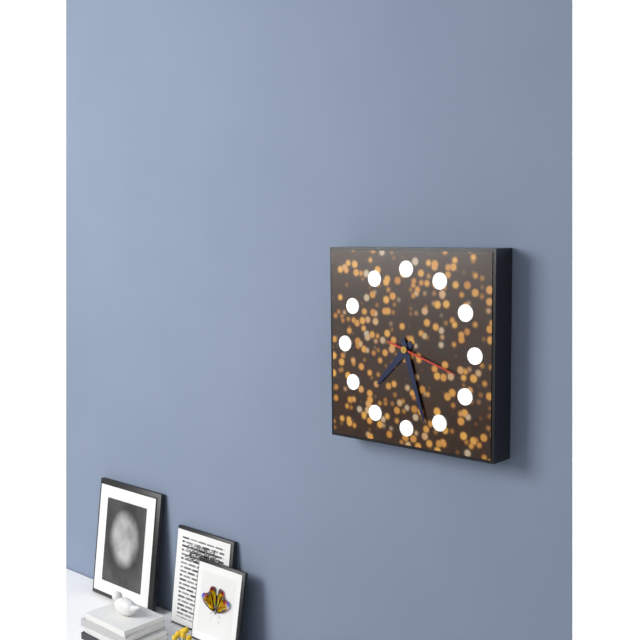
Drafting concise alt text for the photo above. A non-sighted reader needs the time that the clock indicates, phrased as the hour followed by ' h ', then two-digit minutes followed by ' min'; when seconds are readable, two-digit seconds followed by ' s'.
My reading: 7 h 27 min 18 s
